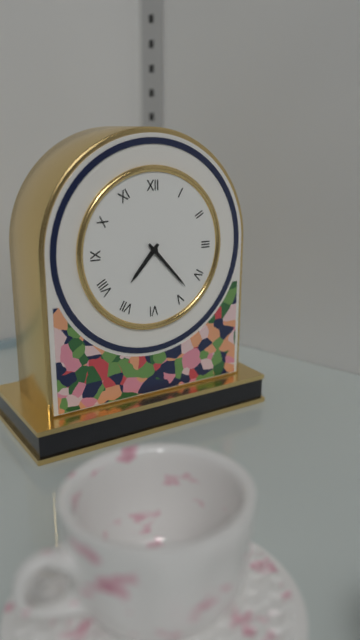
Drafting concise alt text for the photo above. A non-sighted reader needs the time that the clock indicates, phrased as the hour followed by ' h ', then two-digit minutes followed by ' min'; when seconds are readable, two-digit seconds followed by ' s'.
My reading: 7 h 23 min
